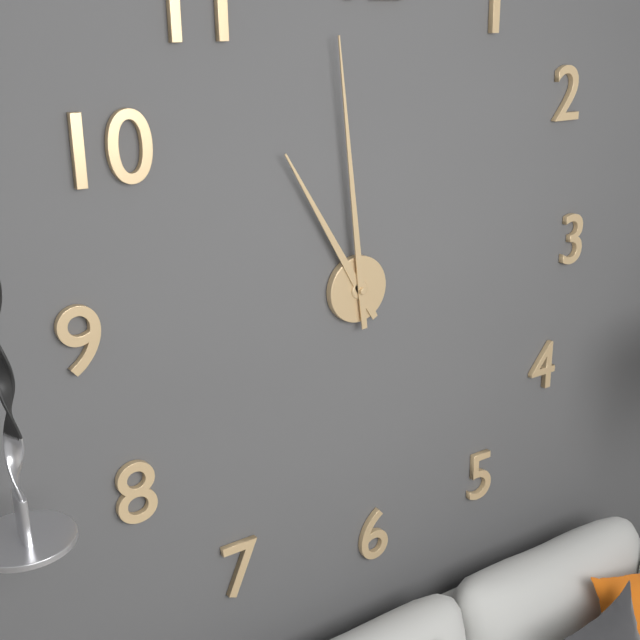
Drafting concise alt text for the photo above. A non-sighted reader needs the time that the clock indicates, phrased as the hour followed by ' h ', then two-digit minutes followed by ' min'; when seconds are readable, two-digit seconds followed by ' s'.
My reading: 10 h 59 min
